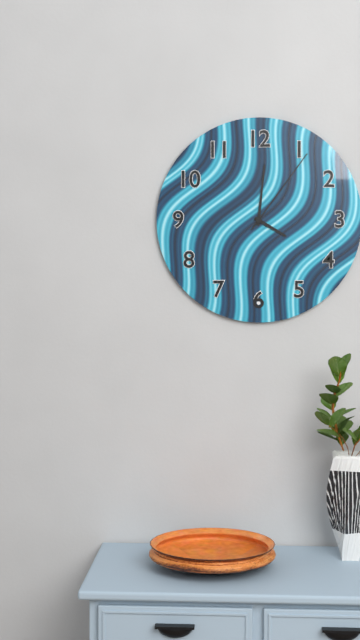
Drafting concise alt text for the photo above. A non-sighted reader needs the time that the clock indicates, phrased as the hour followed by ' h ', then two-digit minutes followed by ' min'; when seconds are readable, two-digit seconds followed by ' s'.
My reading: 4 h 01 min 06 s
